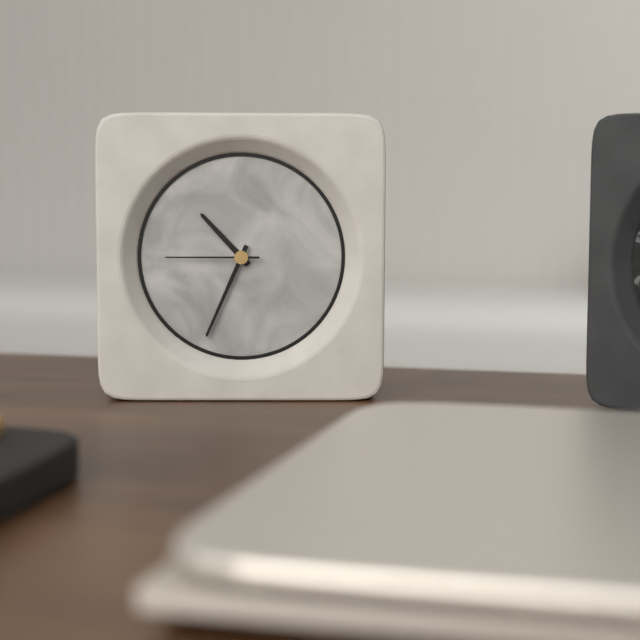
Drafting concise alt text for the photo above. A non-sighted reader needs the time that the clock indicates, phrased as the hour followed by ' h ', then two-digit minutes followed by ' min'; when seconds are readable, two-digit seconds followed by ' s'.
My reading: 10 h 34 min 45 s
